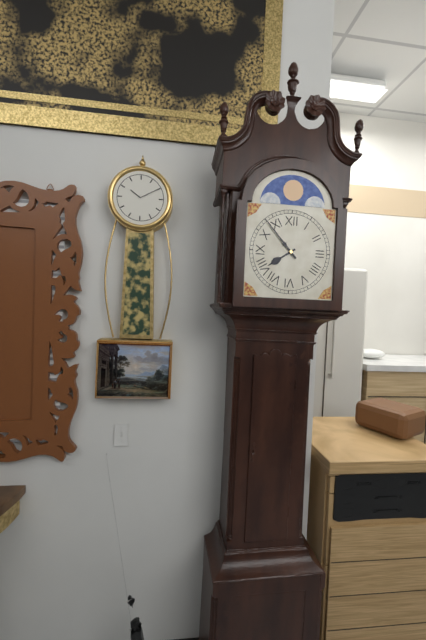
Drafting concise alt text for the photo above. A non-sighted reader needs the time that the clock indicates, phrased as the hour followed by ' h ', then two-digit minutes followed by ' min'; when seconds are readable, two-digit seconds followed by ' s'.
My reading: 7 h 53 min
